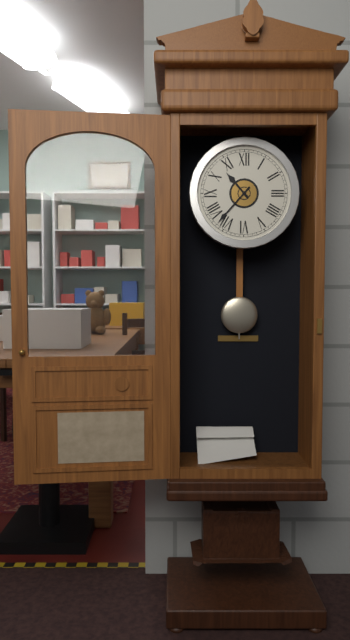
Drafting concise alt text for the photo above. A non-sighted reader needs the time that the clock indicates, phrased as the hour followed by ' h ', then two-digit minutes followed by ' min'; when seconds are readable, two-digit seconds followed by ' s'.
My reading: 10 h 37 min
